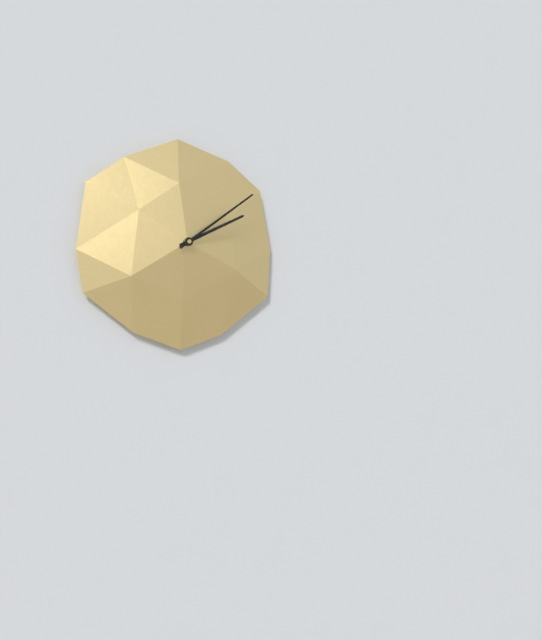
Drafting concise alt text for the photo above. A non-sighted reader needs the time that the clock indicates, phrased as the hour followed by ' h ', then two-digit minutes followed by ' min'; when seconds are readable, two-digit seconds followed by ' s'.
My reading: 2 h 09 min
